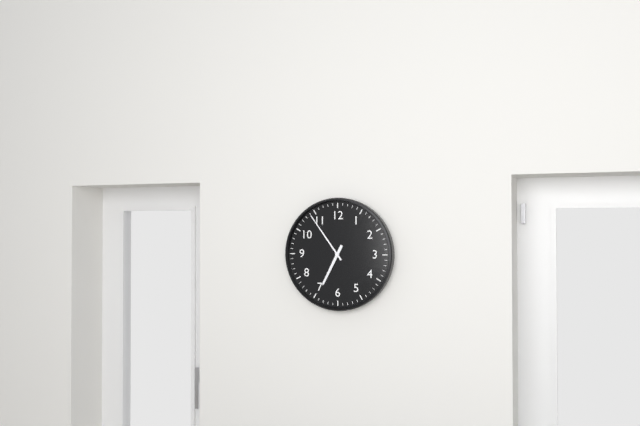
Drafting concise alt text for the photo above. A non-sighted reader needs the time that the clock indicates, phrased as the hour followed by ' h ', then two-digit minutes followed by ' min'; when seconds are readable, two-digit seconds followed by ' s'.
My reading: 6 h 54 min
